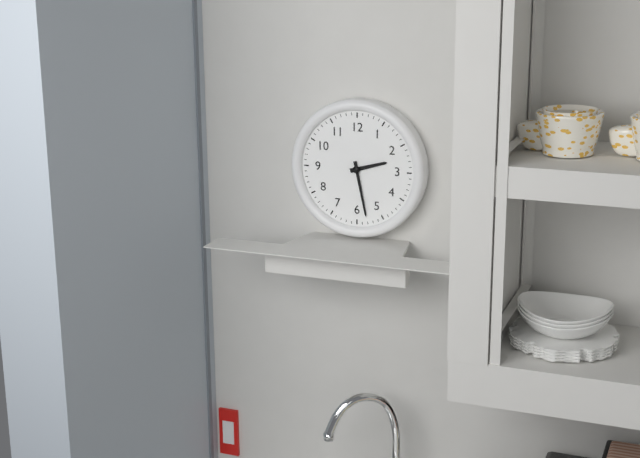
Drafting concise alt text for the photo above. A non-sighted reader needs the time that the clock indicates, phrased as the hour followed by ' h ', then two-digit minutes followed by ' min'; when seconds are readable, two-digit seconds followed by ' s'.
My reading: 2 h 28 min
